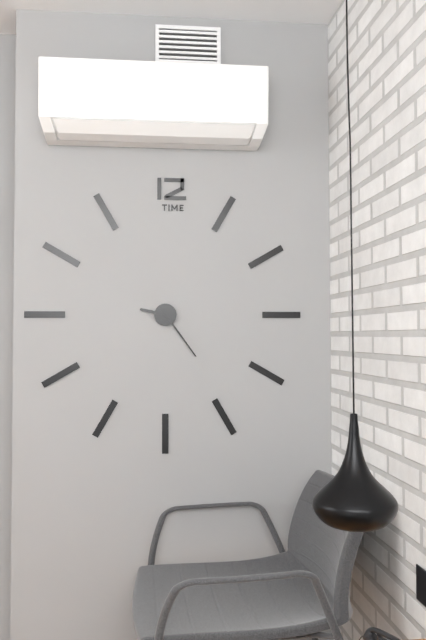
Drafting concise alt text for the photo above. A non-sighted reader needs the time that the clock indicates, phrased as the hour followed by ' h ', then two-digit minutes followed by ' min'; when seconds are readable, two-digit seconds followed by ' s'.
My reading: 9 h 24 min
